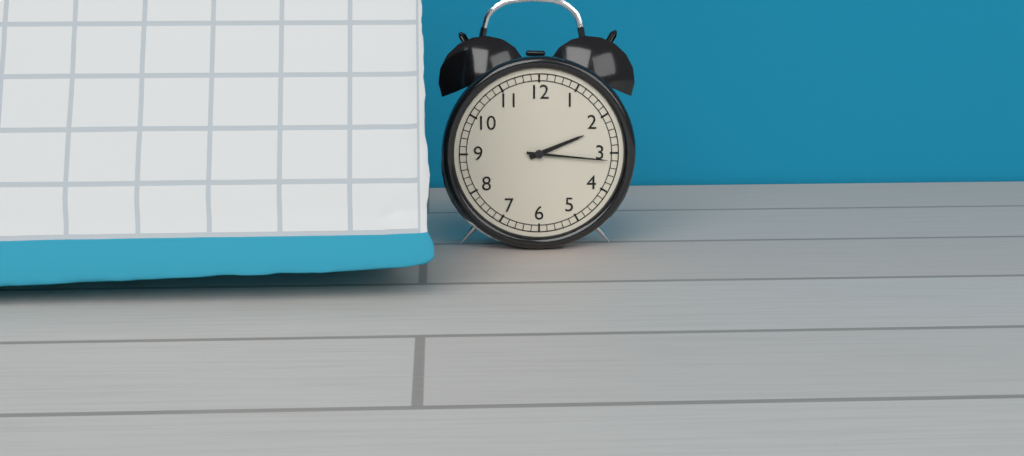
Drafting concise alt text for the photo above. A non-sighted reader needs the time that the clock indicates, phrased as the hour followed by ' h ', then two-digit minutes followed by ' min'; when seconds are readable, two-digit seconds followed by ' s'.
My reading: 2 h 16 min
